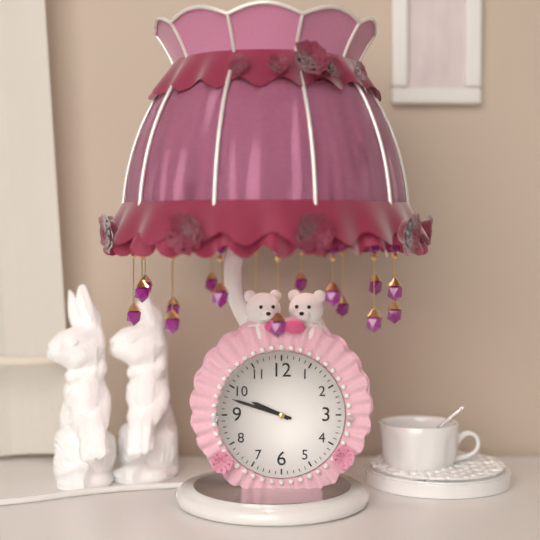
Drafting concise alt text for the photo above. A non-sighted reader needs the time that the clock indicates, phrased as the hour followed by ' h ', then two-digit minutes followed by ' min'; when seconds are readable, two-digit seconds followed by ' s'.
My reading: 9 h 48 min
